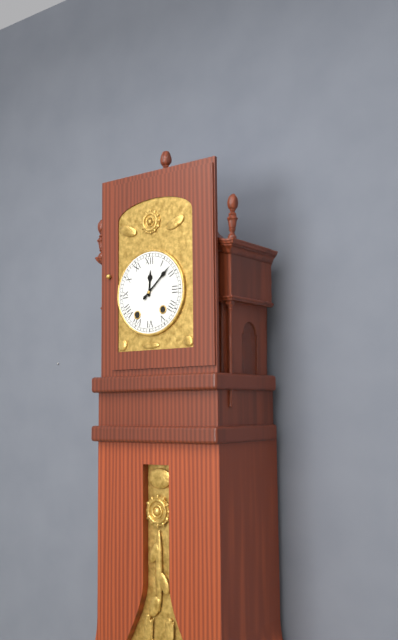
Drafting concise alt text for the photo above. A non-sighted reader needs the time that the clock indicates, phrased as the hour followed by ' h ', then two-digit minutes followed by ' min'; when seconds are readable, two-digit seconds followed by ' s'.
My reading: 12 h 08 min
